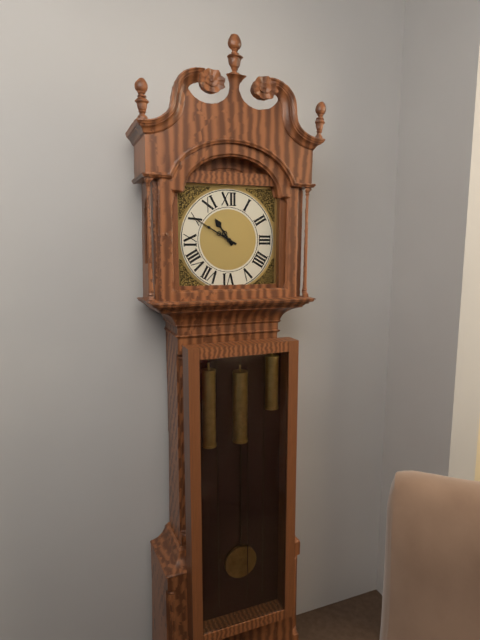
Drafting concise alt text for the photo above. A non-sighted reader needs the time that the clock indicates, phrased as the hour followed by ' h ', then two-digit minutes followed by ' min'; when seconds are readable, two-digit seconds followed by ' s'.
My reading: 10 h 50 min
